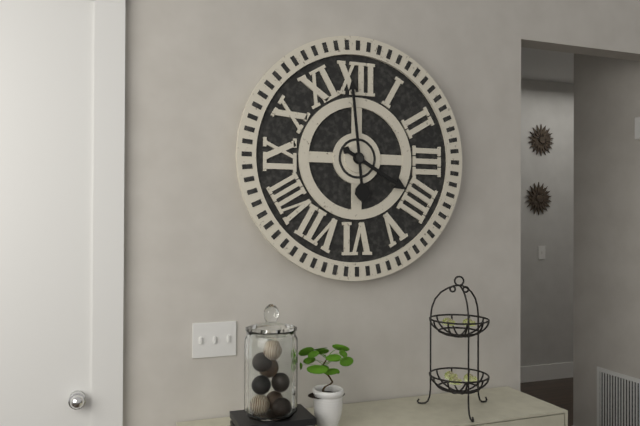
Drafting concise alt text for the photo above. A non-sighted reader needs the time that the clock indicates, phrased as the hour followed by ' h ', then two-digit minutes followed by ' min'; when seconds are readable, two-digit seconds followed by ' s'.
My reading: 3 h 59 min
